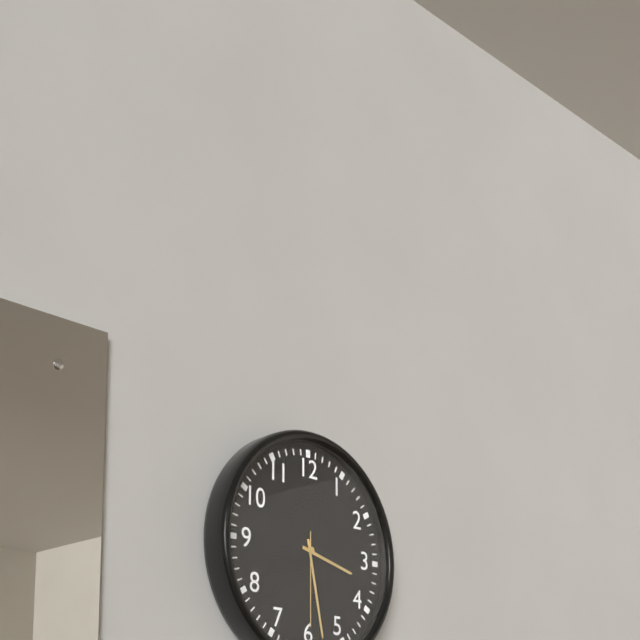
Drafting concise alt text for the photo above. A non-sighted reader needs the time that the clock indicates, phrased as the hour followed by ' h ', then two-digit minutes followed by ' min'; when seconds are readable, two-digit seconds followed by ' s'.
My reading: 3 h 28 min 30 s
